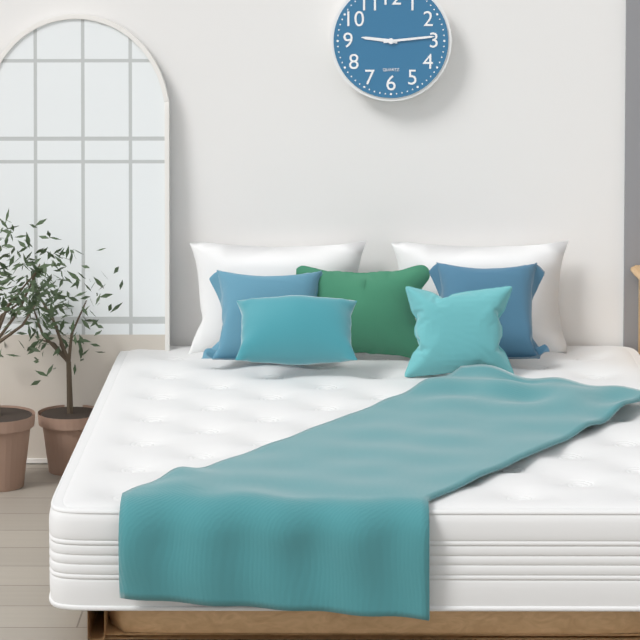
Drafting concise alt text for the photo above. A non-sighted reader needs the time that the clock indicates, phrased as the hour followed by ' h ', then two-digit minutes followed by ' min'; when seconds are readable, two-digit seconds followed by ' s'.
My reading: 9 h 14 min
